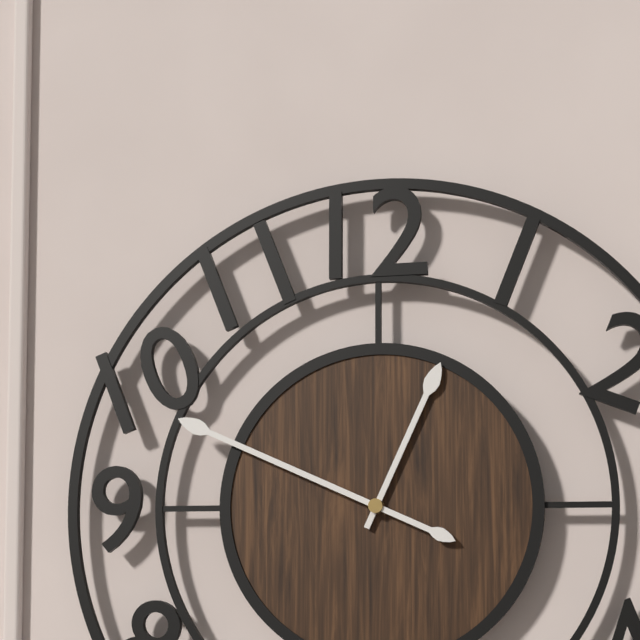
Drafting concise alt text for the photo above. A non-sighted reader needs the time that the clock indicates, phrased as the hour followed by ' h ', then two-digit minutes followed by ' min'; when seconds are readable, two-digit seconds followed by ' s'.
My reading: 12 h 49 min
